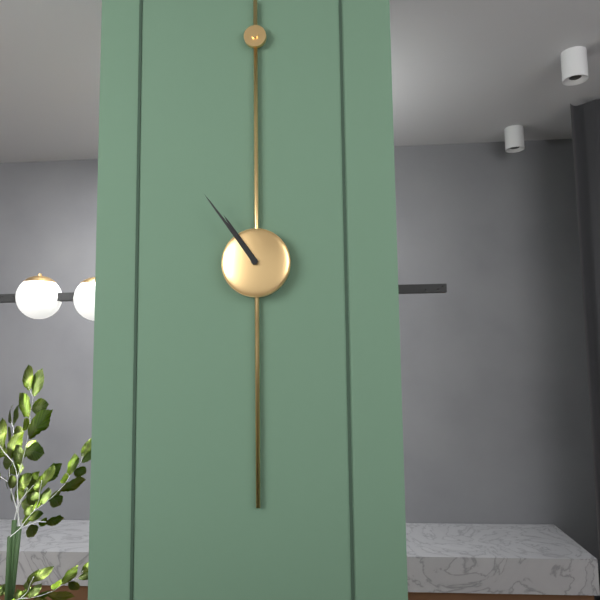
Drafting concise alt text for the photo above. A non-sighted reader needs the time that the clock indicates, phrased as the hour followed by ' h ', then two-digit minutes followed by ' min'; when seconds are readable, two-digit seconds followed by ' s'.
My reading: 10 h 54 min
